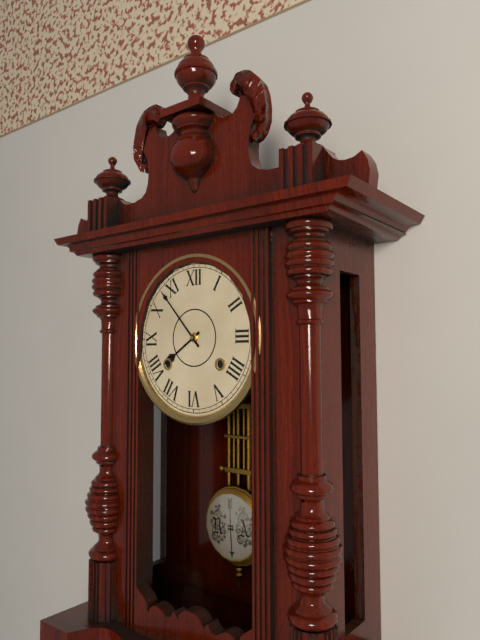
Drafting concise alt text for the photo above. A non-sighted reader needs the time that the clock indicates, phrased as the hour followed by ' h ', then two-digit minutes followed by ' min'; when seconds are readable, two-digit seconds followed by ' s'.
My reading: 7 h 53 min
